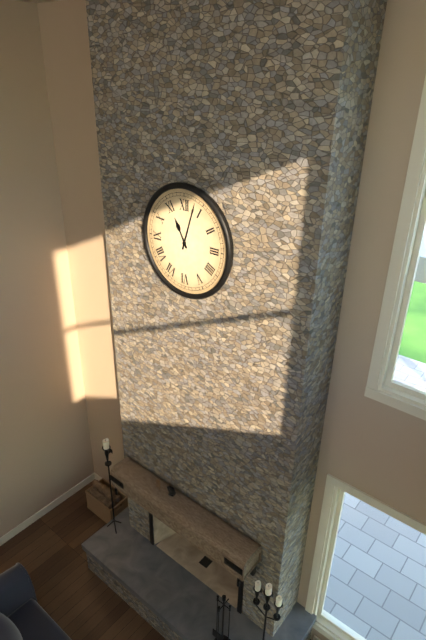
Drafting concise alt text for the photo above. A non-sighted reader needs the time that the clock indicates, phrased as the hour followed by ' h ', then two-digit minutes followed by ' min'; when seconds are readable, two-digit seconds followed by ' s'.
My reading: 11 h 03 min
